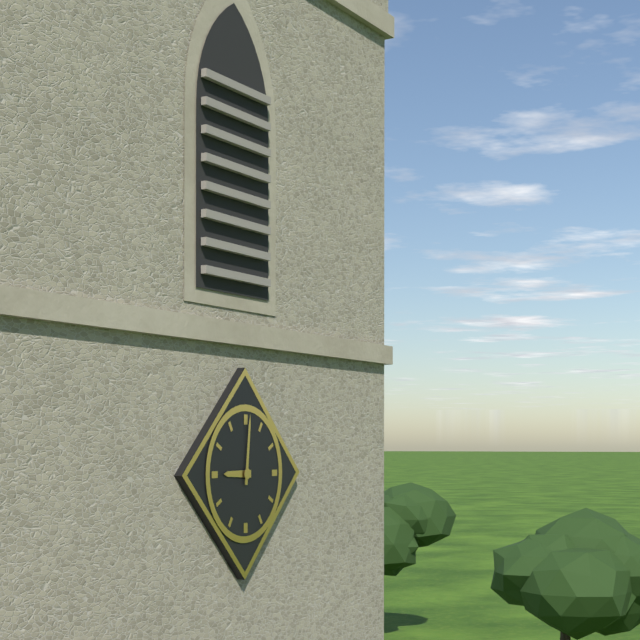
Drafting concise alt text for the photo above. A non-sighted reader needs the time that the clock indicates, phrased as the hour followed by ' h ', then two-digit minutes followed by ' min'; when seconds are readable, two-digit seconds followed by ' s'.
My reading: 9 h 01 min
